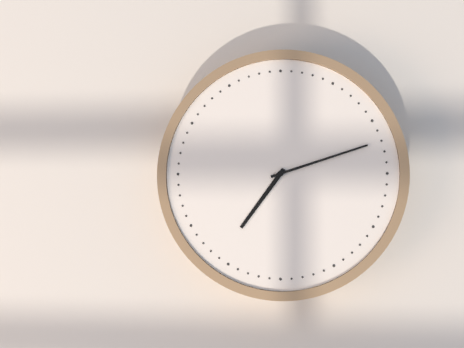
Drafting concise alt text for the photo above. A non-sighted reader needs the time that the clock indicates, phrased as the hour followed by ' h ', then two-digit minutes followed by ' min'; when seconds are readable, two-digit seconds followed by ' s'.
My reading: 7 h 12 min
